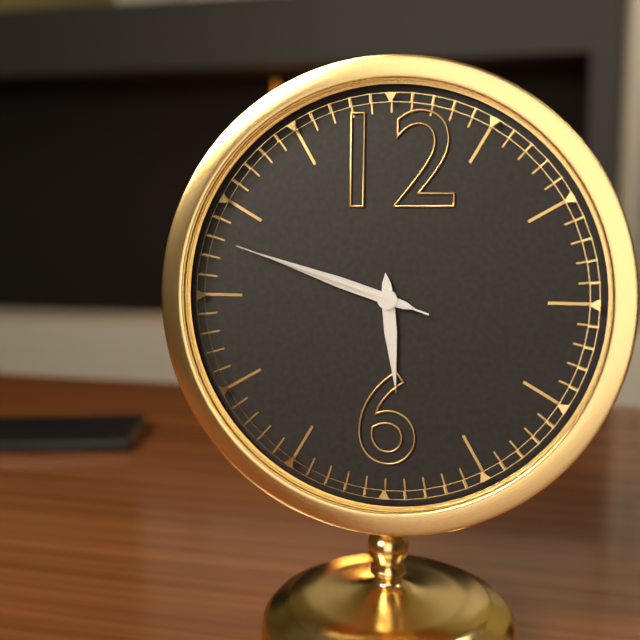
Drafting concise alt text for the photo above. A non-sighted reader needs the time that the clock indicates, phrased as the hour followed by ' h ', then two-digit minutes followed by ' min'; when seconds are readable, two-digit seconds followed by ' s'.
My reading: 5 h 48 min 48 s
